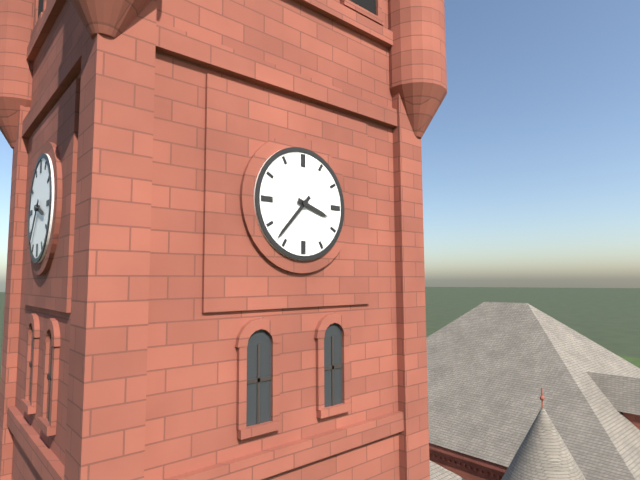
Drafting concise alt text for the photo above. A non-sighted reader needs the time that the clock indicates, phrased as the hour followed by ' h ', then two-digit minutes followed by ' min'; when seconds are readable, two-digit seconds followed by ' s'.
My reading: 3 h 37 min
